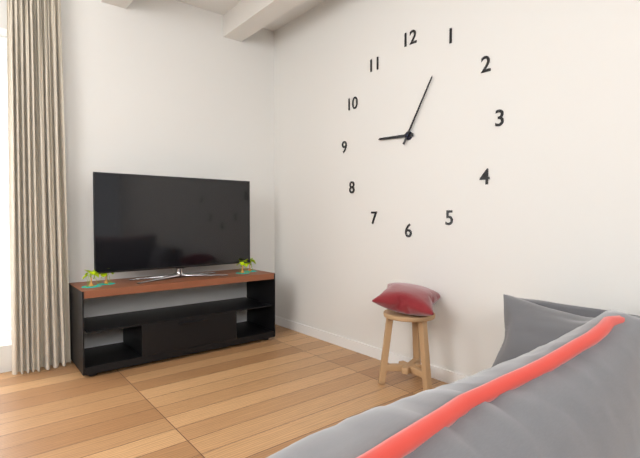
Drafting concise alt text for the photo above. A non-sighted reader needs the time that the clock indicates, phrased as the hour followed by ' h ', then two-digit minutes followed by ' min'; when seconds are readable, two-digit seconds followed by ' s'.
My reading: 9 h 05 min
